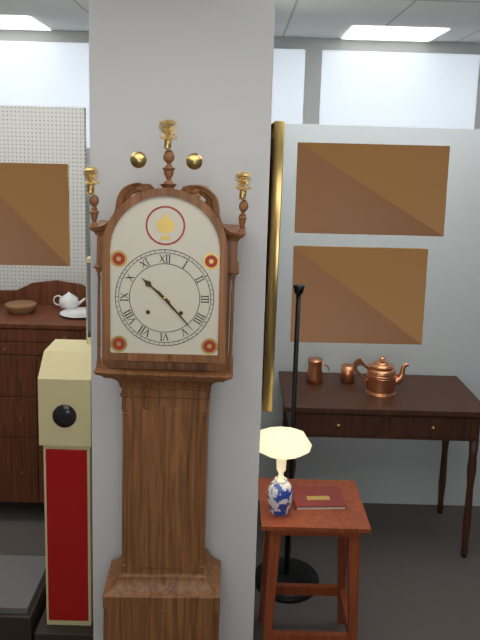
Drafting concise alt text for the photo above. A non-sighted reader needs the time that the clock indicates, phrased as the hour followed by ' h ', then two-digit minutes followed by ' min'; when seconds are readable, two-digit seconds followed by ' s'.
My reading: 10 h 23 min
